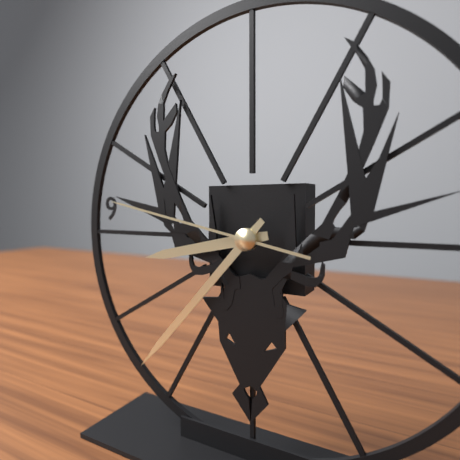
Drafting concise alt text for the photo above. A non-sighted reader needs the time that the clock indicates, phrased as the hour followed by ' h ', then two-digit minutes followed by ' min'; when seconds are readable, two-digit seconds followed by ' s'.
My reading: 8 h 37 min 47 s
